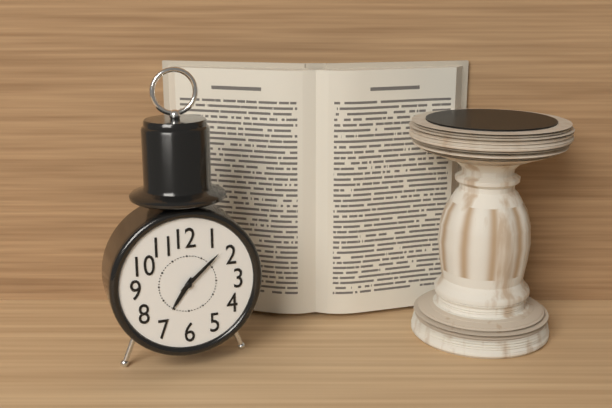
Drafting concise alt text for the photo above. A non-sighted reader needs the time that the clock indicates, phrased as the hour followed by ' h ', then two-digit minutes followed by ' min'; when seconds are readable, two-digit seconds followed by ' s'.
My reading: 7 h 08 min
